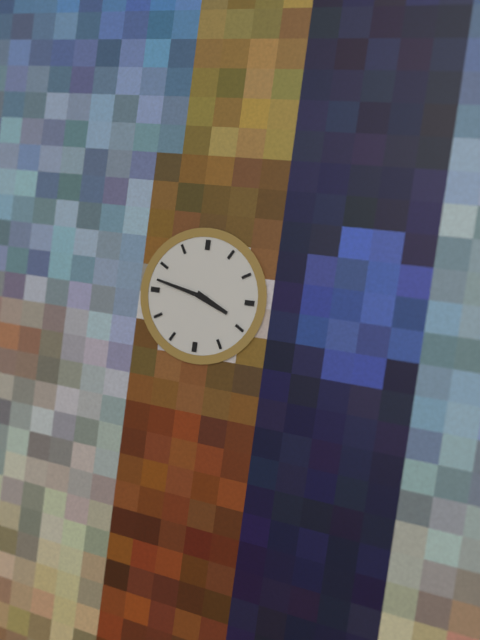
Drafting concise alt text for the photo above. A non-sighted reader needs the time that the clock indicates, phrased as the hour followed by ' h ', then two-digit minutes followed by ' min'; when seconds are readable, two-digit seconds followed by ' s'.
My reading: 3 h 47 min
